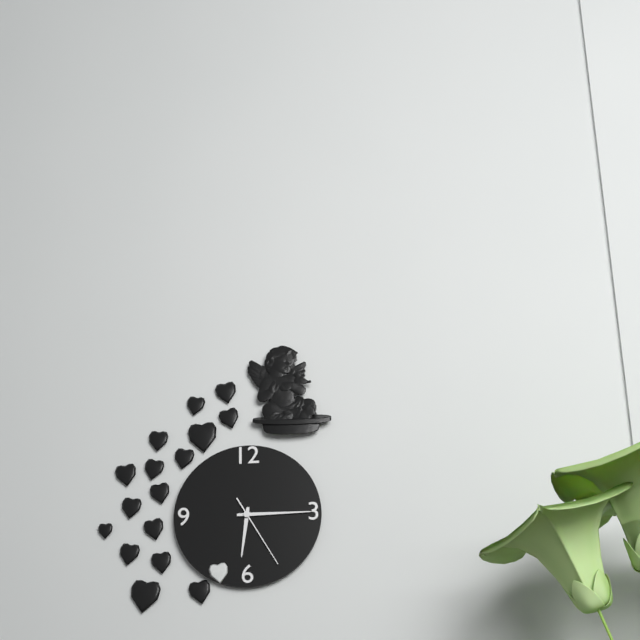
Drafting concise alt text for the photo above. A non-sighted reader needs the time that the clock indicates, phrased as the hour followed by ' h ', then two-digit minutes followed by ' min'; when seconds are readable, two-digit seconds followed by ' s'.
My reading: 6 h 15 min 25 s
